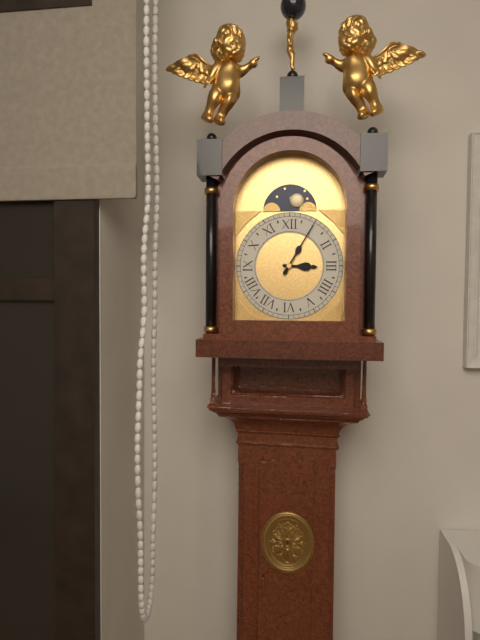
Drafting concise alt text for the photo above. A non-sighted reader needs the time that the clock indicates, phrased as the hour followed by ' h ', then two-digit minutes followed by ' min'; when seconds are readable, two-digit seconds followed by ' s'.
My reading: 3 h 05 min
